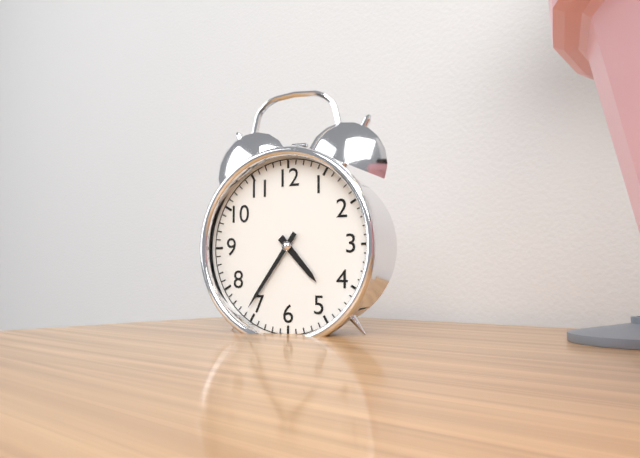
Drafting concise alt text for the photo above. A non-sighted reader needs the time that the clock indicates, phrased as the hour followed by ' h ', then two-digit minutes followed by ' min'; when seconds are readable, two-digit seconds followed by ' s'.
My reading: 4 h 36 min
